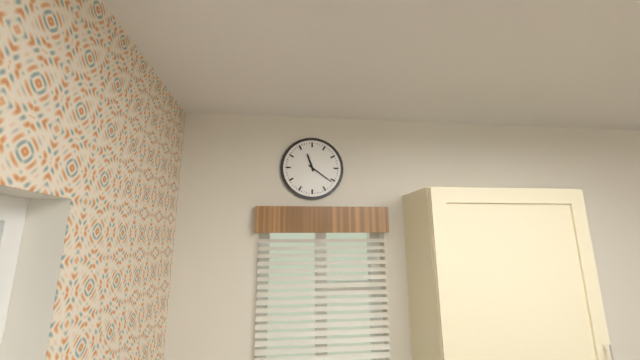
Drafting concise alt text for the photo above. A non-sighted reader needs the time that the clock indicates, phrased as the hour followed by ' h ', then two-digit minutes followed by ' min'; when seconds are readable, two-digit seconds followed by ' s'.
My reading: 11 h 21 min
